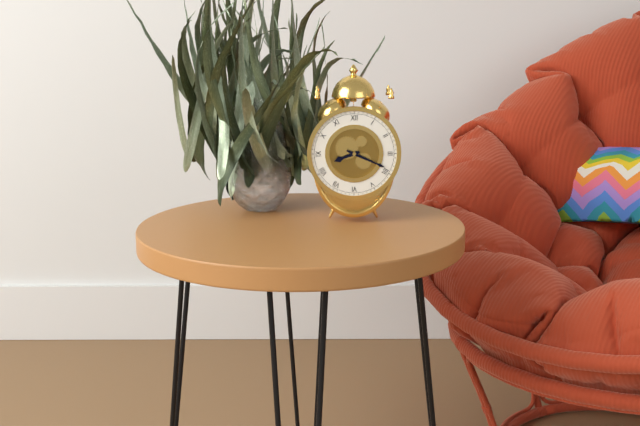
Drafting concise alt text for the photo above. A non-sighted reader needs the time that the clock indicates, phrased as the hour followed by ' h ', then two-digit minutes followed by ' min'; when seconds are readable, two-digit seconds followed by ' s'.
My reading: 8 h 19 min
